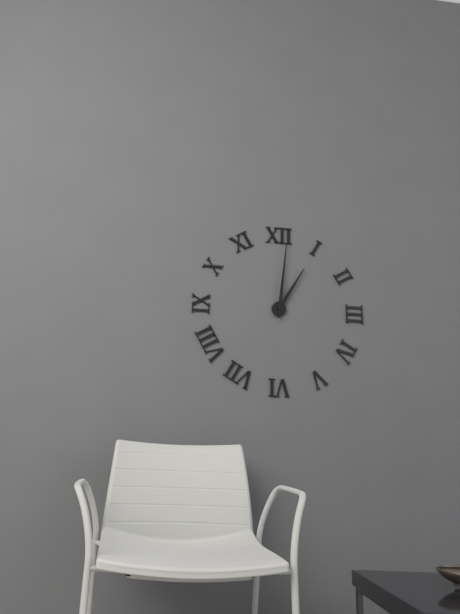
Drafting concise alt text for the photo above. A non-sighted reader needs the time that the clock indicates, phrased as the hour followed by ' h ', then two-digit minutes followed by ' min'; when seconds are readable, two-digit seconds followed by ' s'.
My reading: 1 h 01 min
